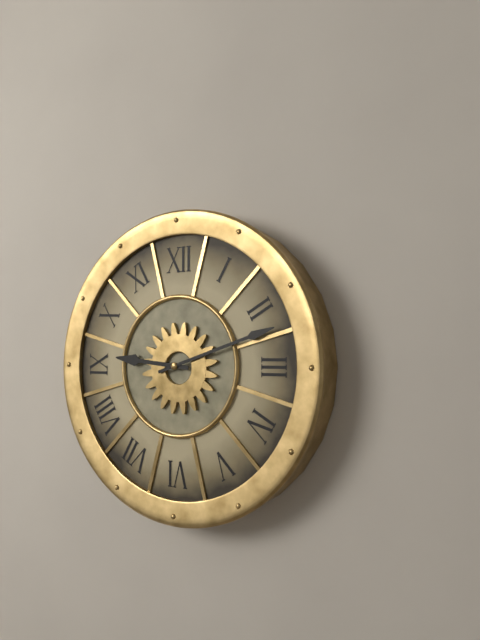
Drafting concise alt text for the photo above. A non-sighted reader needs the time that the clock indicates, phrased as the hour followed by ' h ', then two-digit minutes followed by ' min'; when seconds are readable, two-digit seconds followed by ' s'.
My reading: 9 h 12 min
